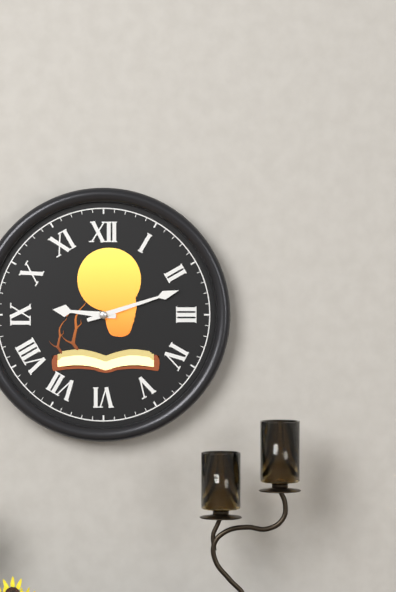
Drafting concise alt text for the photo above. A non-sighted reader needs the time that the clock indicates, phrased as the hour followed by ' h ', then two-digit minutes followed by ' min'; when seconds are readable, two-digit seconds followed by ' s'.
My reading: 9 h 12 min
